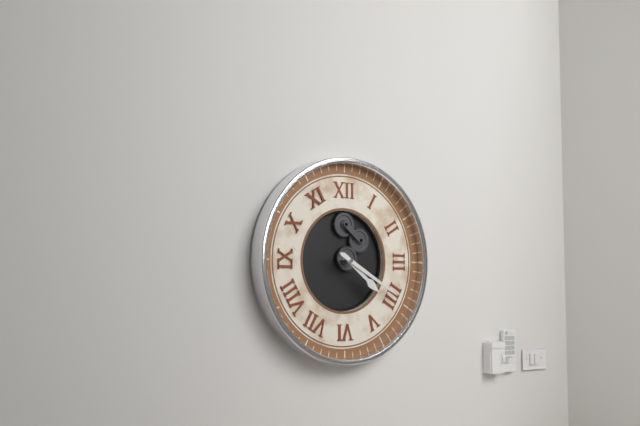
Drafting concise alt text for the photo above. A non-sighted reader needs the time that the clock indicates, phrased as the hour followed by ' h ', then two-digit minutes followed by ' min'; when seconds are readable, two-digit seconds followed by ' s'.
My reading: 4 h 20 min
